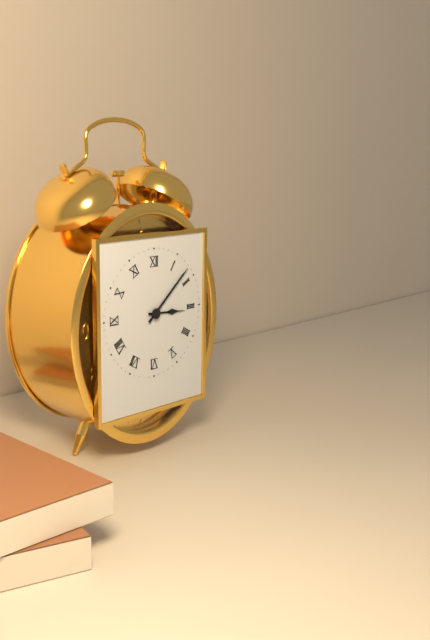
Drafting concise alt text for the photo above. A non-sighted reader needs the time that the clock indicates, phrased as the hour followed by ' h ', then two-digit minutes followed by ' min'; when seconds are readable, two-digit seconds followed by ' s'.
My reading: 3 h 08 min
